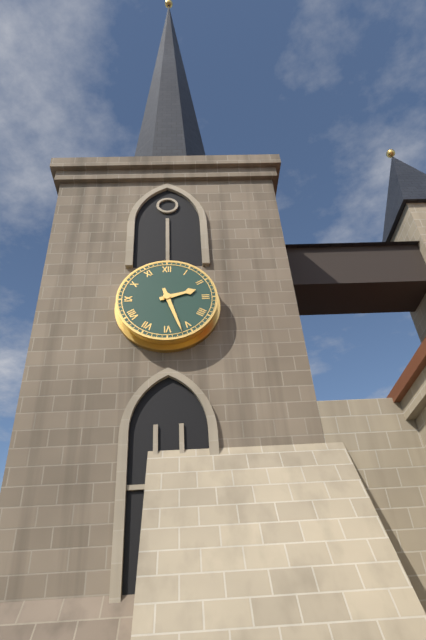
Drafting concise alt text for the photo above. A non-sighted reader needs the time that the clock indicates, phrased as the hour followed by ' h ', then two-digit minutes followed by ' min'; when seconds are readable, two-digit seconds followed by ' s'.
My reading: 2 h 27 min
